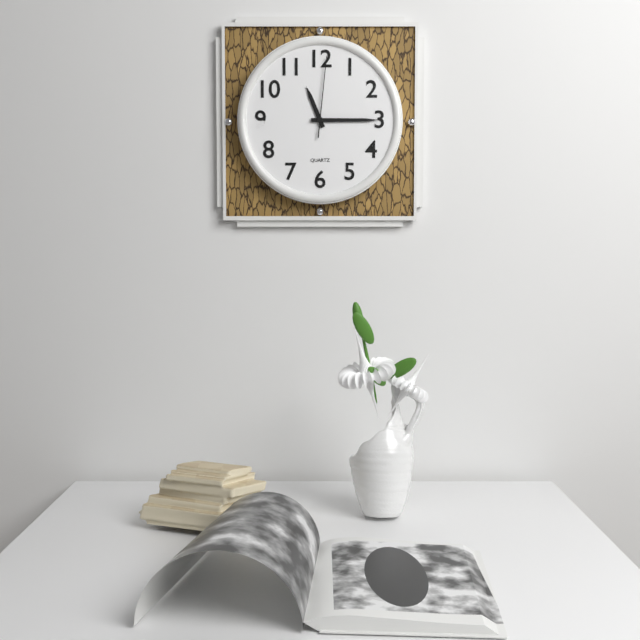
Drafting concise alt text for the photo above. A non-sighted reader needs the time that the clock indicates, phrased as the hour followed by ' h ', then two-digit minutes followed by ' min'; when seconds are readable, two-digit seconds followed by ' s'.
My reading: 11 h 15 min 01 s
